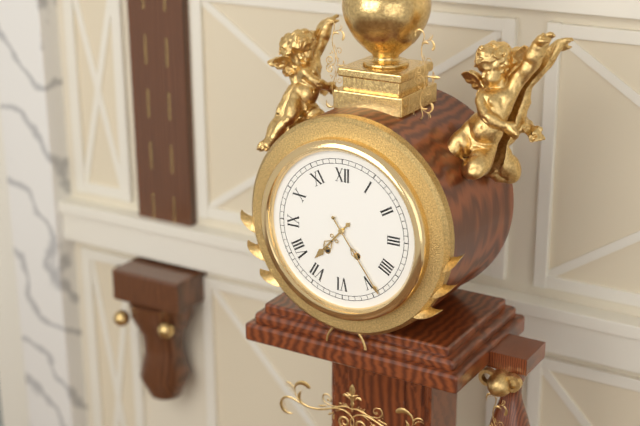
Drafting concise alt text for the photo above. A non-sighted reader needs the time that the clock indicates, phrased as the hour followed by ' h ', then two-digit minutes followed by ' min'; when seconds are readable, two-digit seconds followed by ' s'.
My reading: 7 h 24 min
